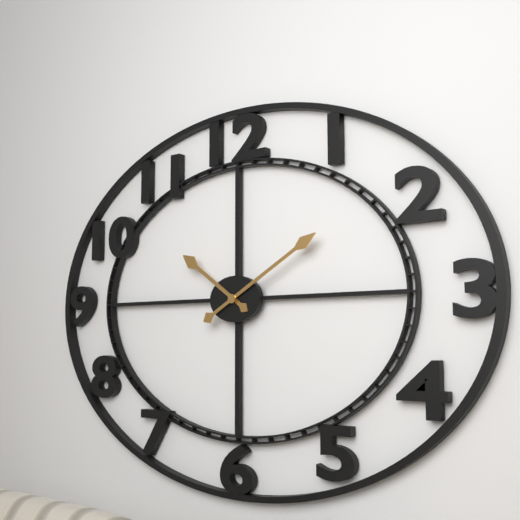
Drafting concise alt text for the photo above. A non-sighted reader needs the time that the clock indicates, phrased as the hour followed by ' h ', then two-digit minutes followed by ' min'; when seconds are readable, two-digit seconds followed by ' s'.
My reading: 10 h 10 min
